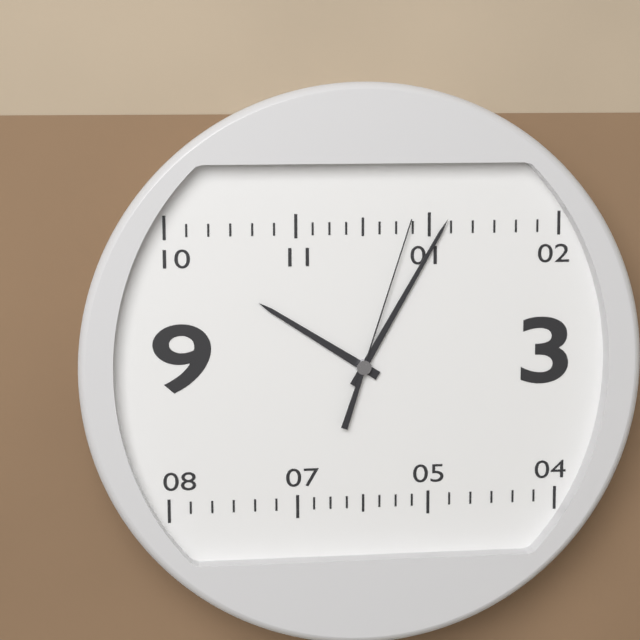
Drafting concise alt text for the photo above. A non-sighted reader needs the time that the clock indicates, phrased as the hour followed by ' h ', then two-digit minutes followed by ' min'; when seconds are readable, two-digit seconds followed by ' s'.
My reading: 10 h 05 min 03 s
